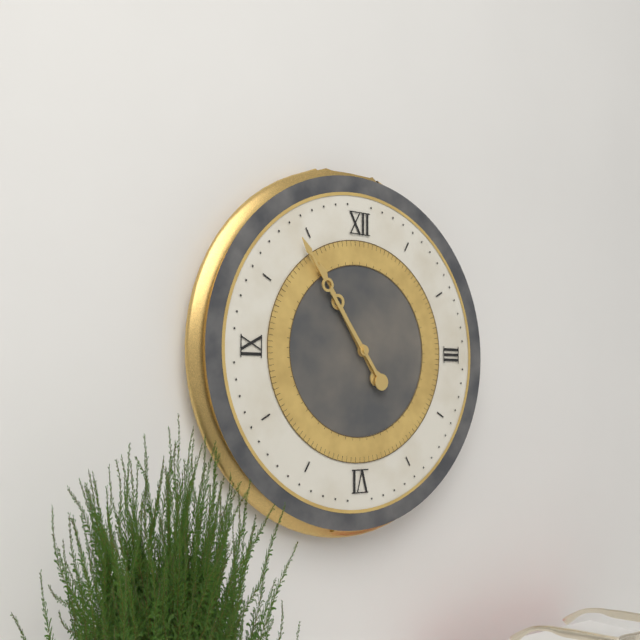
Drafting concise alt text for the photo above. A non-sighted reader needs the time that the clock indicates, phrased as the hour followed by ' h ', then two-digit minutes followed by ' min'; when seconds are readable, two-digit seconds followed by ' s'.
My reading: 10 h 54 min
